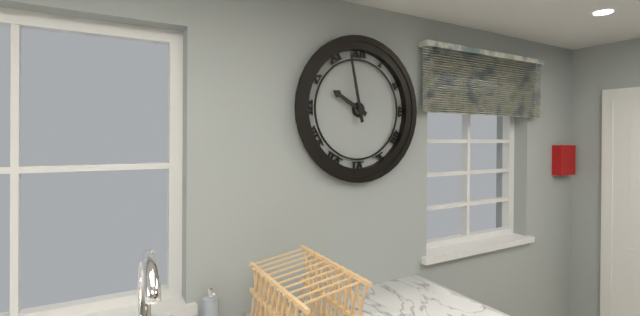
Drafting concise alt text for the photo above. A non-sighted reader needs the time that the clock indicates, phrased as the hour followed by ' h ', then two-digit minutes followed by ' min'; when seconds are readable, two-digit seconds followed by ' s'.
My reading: 9 h 58 min
